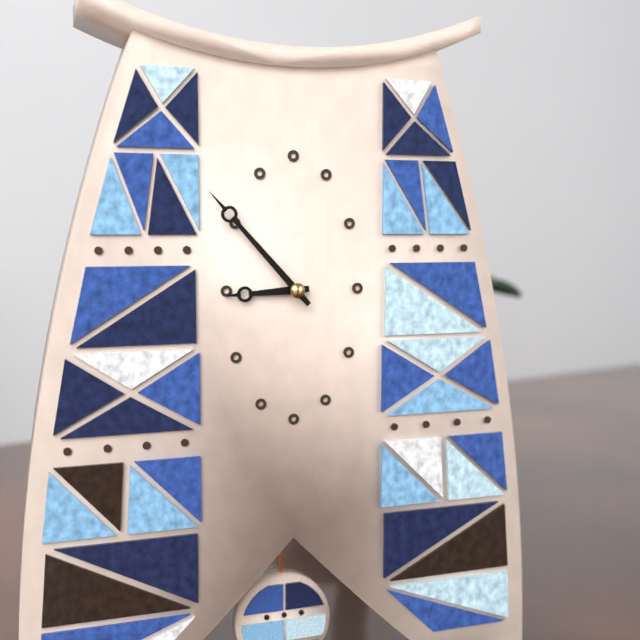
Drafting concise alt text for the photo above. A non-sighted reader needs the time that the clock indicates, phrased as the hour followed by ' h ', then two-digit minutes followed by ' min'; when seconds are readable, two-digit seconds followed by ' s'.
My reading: 8 h 53 min
